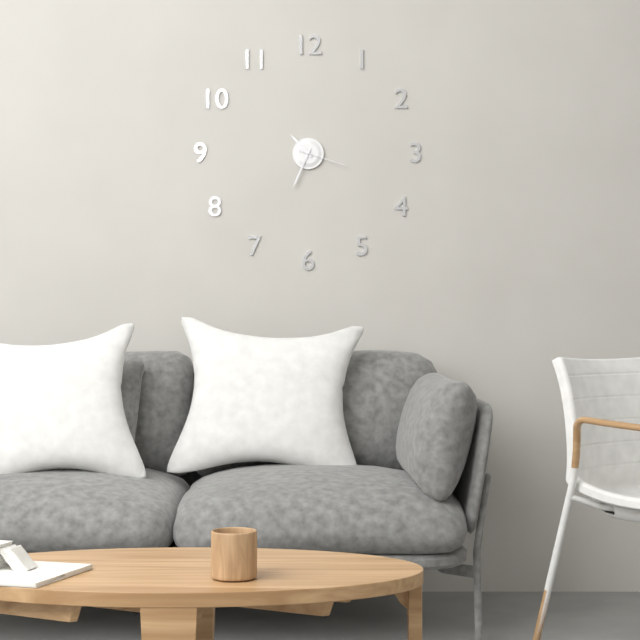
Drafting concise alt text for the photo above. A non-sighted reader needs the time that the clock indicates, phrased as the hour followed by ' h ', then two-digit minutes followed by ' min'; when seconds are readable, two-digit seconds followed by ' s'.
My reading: 10 h 34 min 18 s
